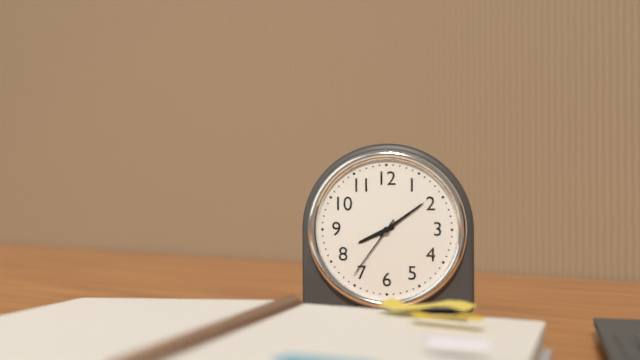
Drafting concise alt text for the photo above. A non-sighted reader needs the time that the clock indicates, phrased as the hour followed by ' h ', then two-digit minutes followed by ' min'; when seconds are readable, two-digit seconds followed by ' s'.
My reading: 8 h 09 min 36 s
